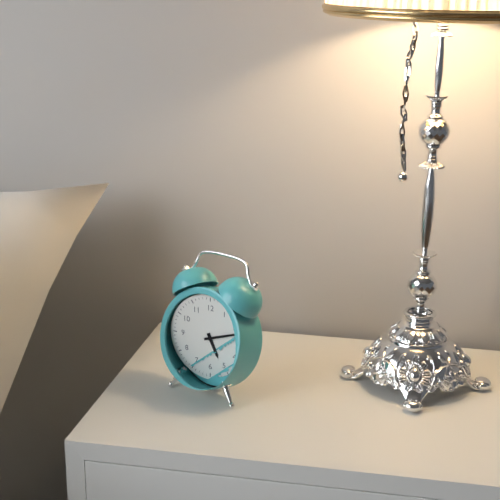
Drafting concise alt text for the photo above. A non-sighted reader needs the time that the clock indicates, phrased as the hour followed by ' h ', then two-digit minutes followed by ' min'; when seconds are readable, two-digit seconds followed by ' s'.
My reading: 5 h 12 min
